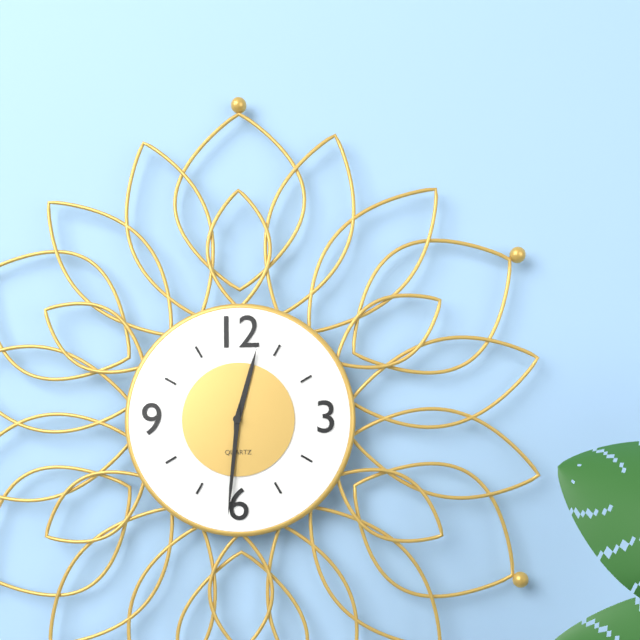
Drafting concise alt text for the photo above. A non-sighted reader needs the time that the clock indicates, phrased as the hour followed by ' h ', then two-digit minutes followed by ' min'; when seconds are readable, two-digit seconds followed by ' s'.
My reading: 12 h 31 min
